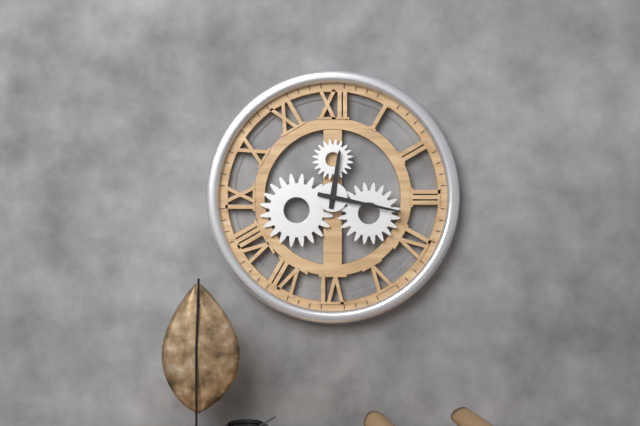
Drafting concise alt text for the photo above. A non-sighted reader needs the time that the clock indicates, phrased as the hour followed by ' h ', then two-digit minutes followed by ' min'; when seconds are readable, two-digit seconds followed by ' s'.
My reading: 12 h 17 min
